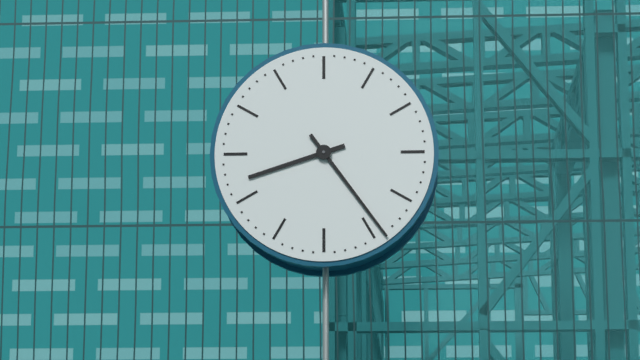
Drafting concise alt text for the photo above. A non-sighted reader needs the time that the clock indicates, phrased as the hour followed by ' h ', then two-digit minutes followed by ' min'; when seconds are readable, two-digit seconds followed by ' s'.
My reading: 8 h 24 min
